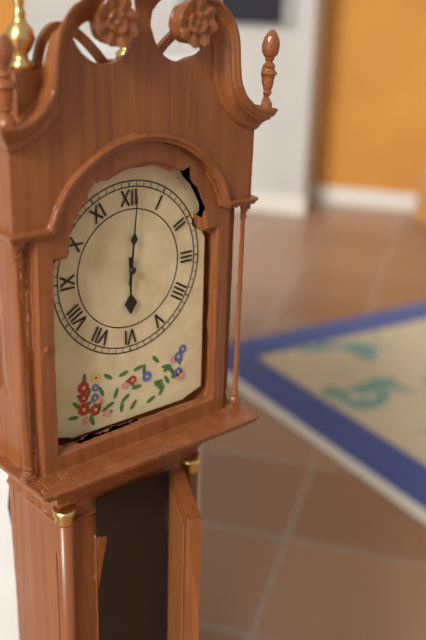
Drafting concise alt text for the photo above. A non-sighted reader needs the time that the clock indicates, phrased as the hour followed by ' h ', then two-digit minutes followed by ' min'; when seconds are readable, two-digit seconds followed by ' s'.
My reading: 6 h 01 min
